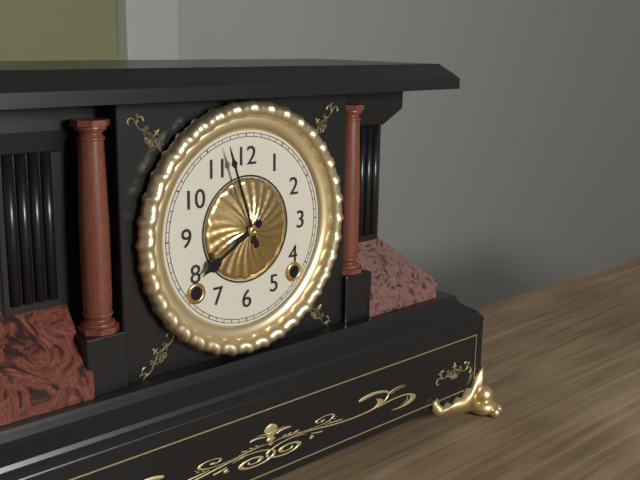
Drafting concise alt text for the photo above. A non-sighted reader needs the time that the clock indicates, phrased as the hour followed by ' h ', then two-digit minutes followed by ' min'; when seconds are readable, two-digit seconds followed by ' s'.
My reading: 7 h 57 min
